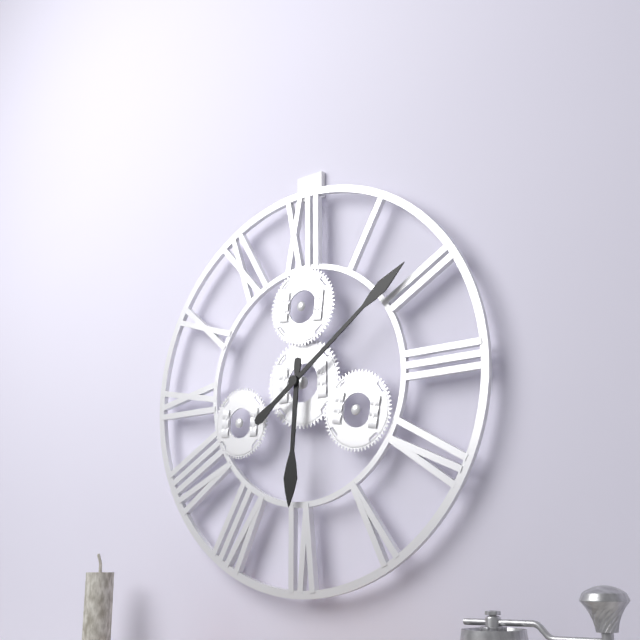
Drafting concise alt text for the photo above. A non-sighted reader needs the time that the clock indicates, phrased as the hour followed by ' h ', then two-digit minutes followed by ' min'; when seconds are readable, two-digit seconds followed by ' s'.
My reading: 6 h 09 min
